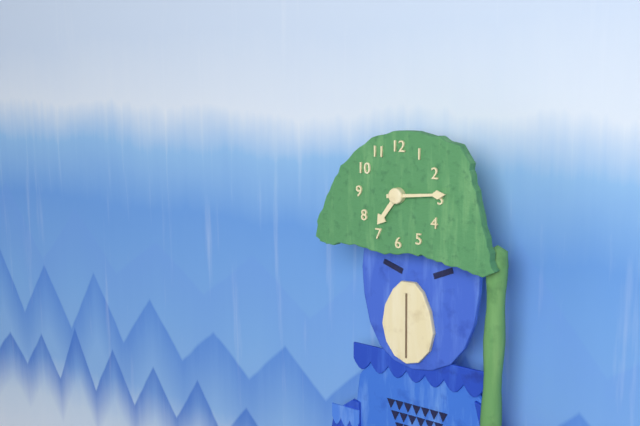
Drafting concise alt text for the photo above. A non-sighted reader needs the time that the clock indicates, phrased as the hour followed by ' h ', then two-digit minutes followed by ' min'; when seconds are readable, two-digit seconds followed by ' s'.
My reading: 7 h 14 min
